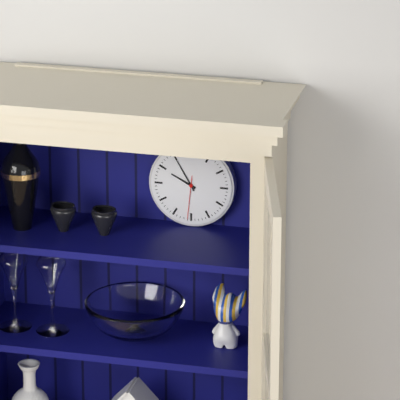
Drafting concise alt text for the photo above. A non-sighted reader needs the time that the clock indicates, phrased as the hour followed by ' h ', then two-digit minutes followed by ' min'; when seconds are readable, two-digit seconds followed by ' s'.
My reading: 9 h 55 min
